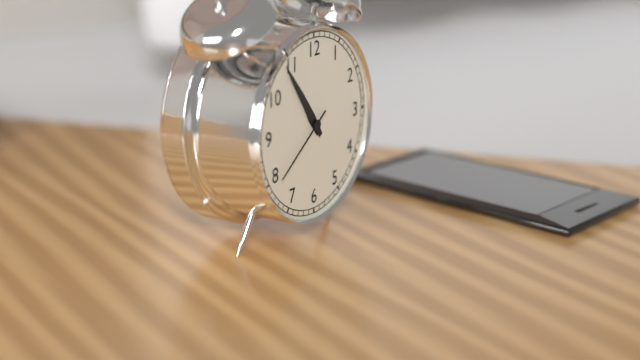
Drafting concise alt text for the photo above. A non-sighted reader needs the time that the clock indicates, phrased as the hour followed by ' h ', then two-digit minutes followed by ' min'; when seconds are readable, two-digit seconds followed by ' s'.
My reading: 10 h 54 min 39 s
